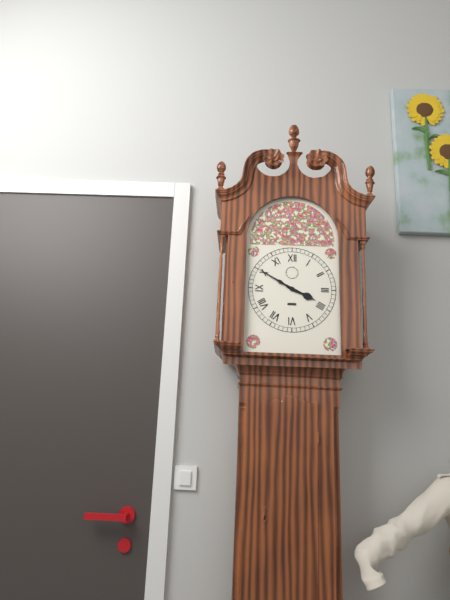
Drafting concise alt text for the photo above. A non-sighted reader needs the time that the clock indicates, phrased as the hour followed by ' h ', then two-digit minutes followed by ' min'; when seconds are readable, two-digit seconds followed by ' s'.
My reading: 3 h 50 min
